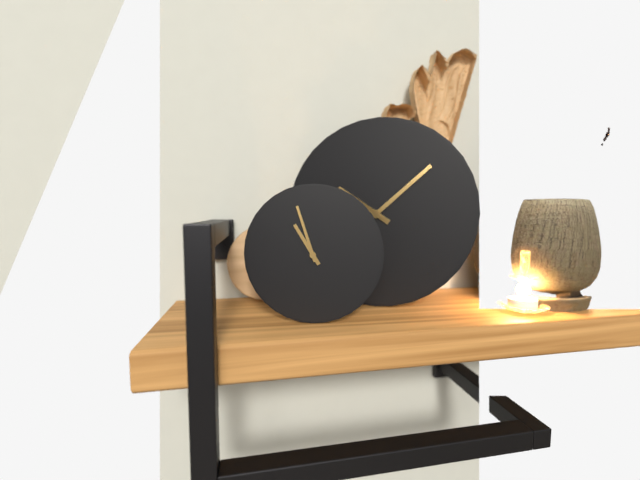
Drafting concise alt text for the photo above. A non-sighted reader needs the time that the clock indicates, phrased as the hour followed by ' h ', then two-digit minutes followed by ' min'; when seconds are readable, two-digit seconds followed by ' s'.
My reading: 10 h 57 min
